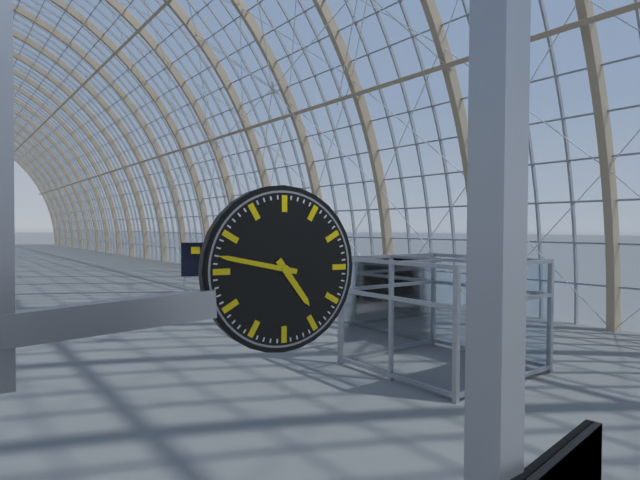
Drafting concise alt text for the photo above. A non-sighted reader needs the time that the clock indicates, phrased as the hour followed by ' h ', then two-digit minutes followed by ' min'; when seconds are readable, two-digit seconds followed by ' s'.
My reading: 4 h 47 min
